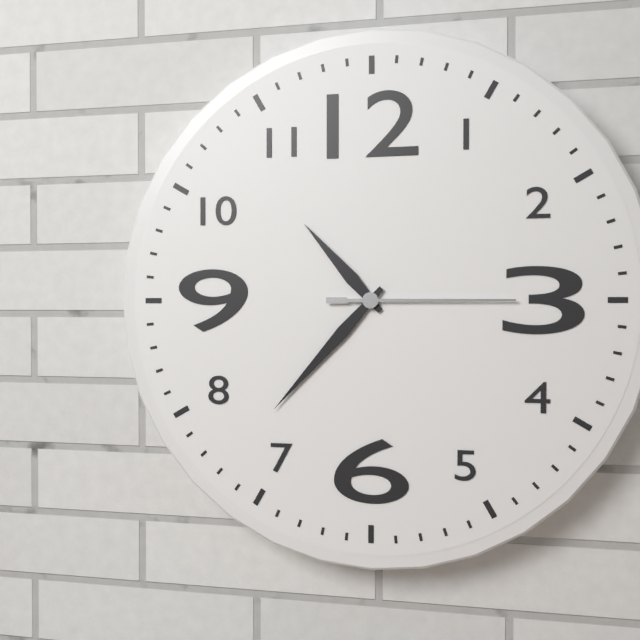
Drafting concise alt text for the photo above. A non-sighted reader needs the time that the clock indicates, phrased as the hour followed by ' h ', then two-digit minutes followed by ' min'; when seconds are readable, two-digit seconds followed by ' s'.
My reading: 10 h 37 min 15 s
